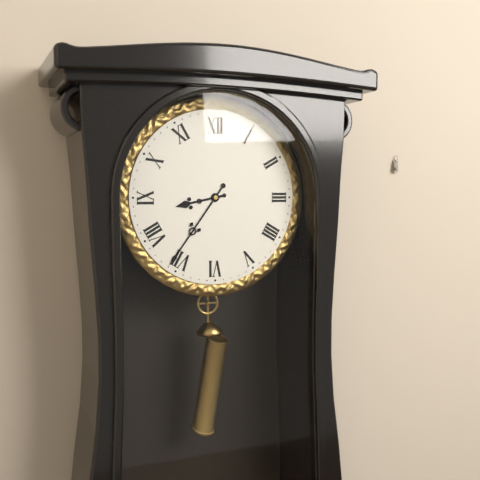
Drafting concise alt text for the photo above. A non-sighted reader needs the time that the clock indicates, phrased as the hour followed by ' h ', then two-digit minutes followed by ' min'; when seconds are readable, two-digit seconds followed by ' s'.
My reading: 8 h 36 min
